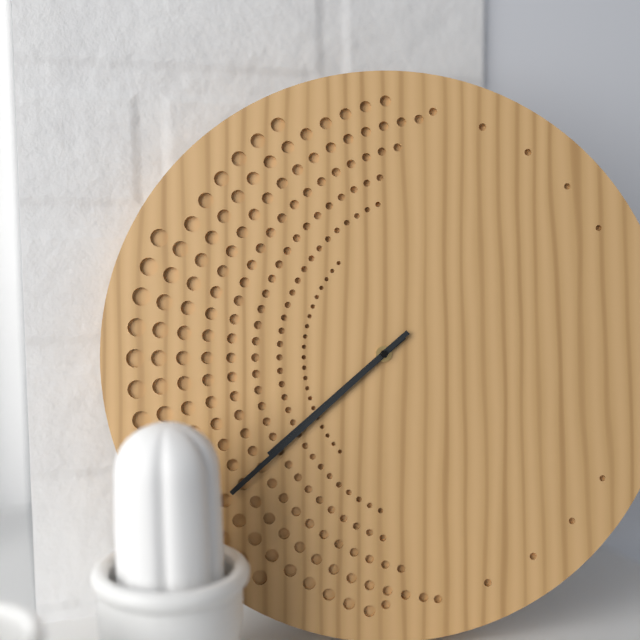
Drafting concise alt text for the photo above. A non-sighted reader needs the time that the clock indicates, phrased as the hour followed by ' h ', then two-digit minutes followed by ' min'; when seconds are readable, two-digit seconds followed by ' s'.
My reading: 7 h 38 min
